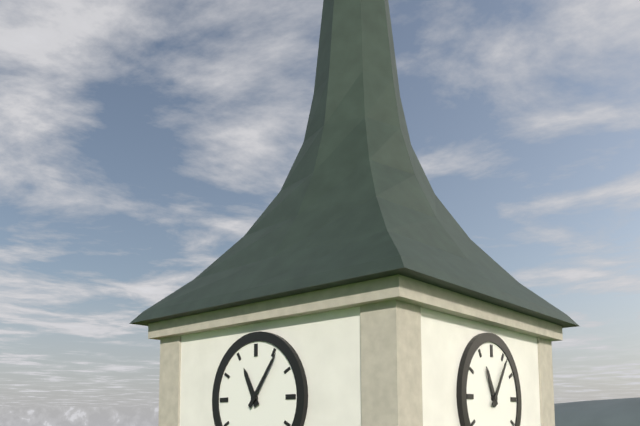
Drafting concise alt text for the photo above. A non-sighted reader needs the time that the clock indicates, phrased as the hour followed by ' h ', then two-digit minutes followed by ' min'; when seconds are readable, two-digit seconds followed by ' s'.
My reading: 11 h 06 min
